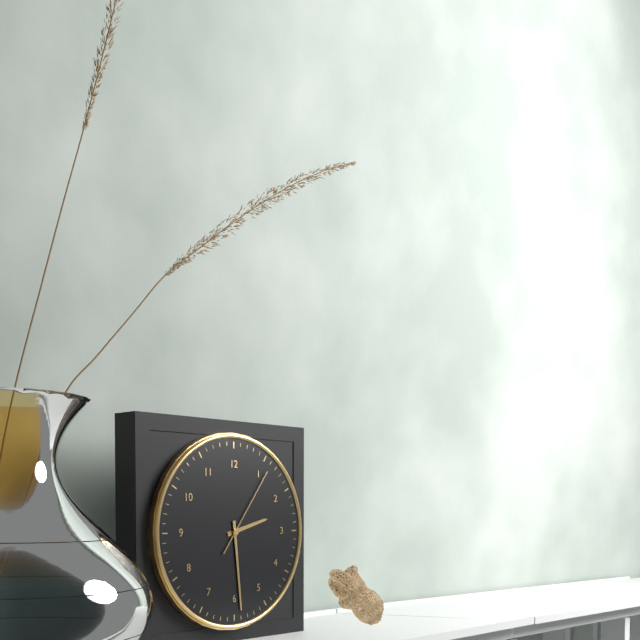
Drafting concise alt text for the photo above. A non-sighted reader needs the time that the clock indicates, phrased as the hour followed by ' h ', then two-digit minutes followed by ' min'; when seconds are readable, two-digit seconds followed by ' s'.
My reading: 2 h 29 min 06 s
